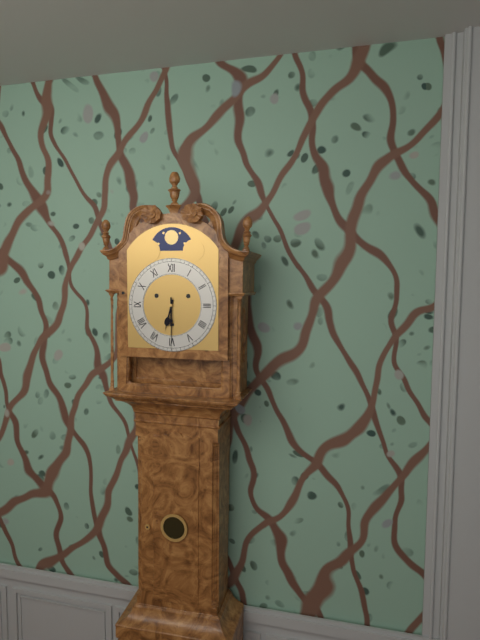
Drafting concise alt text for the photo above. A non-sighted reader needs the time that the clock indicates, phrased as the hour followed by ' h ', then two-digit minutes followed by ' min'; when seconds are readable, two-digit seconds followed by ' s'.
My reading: 6 h 30 min
